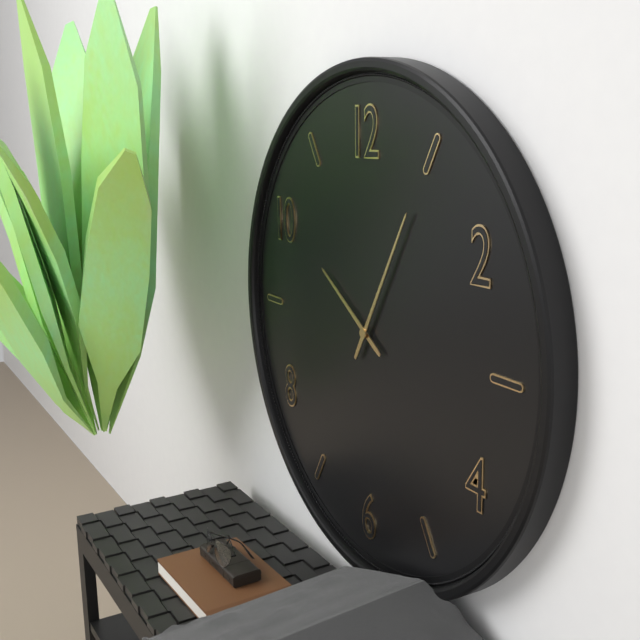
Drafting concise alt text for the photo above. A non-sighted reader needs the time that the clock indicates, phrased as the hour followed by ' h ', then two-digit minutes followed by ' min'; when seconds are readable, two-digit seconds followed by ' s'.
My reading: 10 h 05 min
